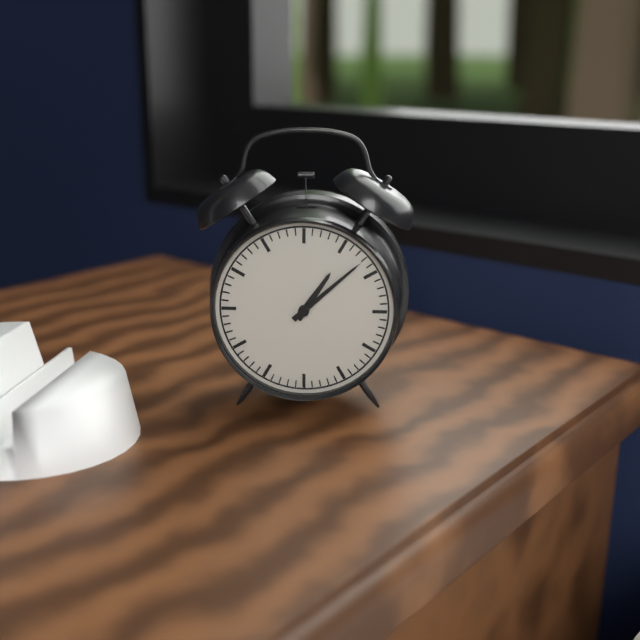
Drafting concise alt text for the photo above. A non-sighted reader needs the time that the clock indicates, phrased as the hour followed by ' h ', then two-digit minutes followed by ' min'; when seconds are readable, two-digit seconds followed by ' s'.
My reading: 1 h 08 min
